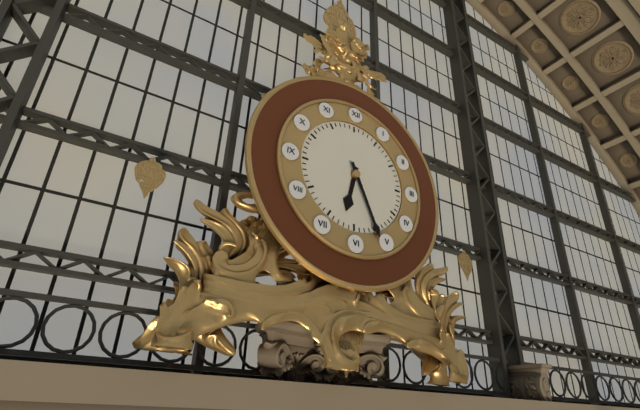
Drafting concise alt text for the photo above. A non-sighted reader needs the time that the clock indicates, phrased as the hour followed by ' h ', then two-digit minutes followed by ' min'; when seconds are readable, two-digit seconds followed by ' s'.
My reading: 6 h 26 min
